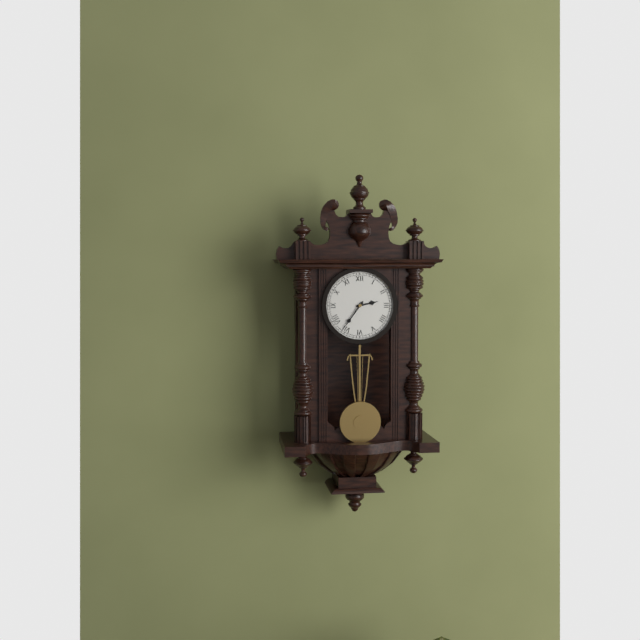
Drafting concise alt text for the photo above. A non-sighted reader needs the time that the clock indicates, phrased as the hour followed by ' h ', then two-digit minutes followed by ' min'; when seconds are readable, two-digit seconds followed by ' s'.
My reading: 2 h 36 min
